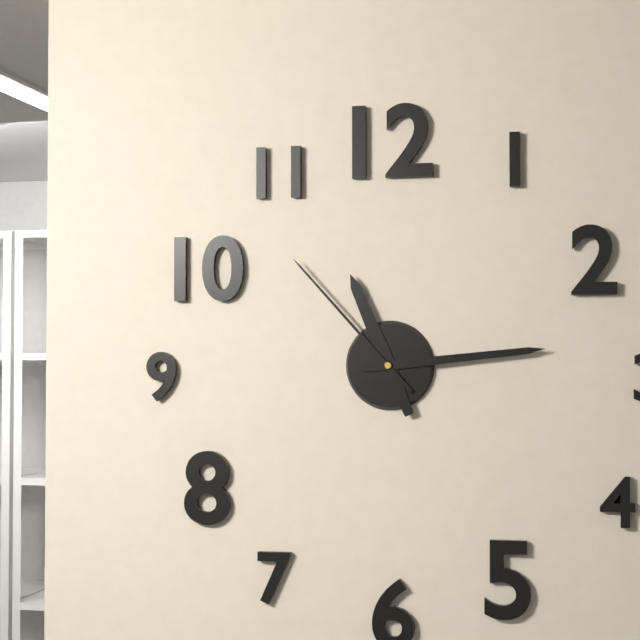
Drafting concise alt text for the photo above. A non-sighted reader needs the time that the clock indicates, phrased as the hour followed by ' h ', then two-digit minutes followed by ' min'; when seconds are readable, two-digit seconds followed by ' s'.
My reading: 11 h 14 min 53 s
